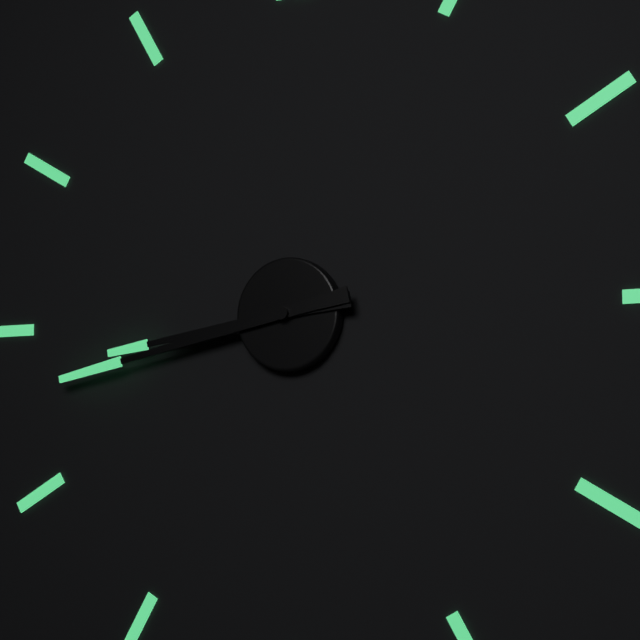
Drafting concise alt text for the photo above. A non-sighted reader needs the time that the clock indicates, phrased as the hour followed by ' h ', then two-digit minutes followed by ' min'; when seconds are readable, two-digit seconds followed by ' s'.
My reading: 8 h 43 min
